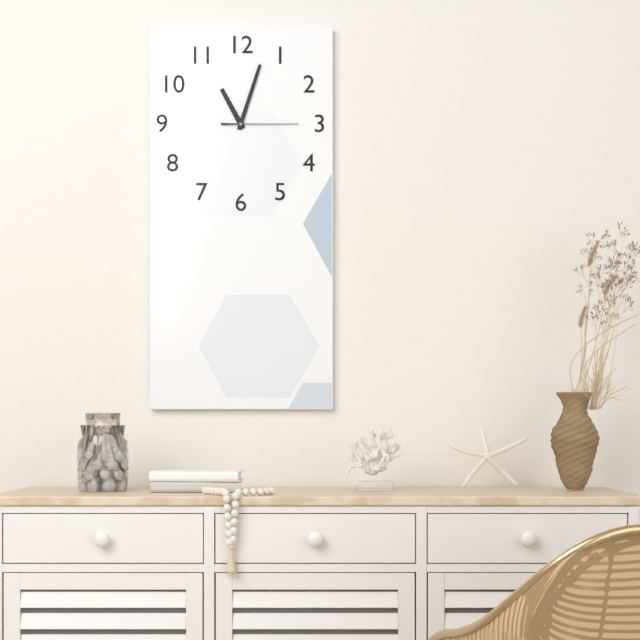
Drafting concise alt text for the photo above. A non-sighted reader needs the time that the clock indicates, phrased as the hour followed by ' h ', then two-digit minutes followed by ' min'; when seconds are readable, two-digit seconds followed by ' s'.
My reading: 11 h 03 min 15 s
